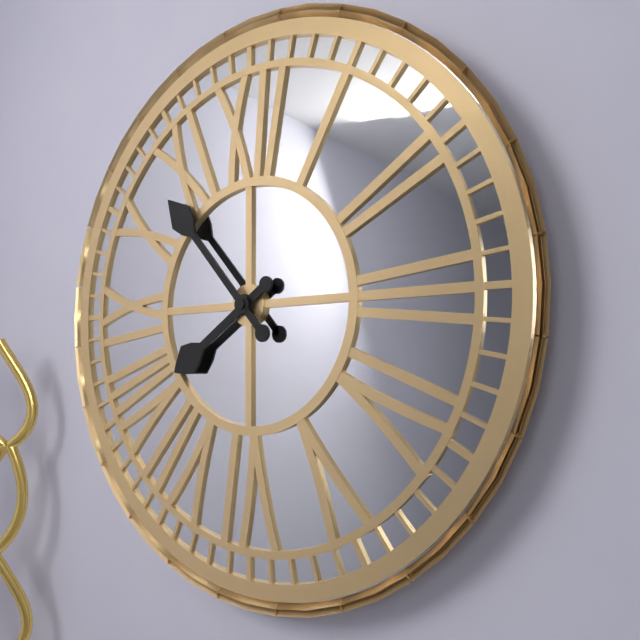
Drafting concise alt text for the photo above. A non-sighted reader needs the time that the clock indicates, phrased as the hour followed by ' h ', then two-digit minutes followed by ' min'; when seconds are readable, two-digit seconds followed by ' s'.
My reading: 7 h 53 min
